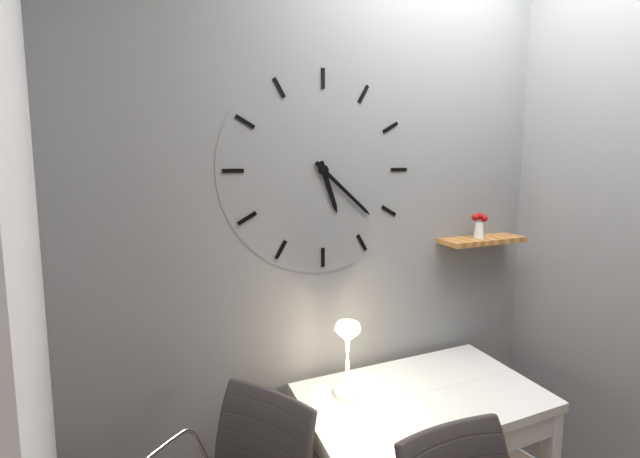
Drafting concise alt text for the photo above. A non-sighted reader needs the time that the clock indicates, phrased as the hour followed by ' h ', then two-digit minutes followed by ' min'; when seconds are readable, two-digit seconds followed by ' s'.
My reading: 5 h 22 min
